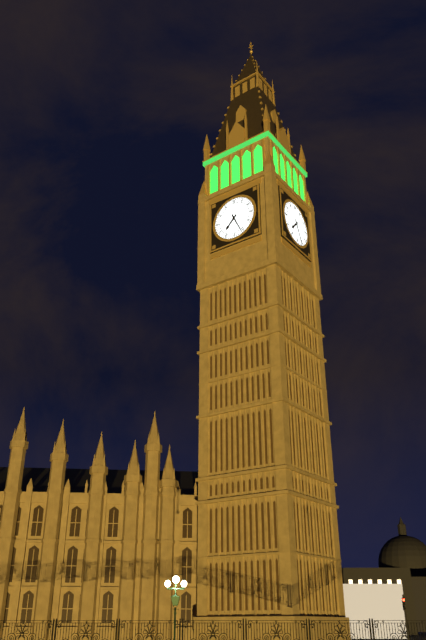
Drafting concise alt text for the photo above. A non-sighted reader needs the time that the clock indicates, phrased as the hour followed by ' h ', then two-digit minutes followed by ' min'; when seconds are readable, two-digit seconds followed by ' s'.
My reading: 7 h 26 min
